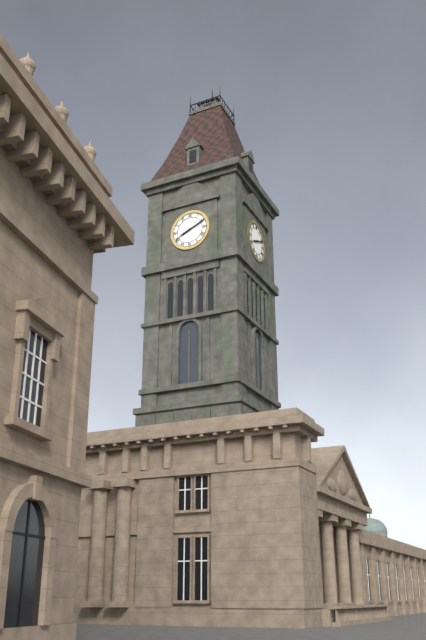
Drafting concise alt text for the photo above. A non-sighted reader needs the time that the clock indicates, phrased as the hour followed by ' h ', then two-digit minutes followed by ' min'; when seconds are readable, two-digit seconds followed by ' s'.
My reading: 8 h 11 min
